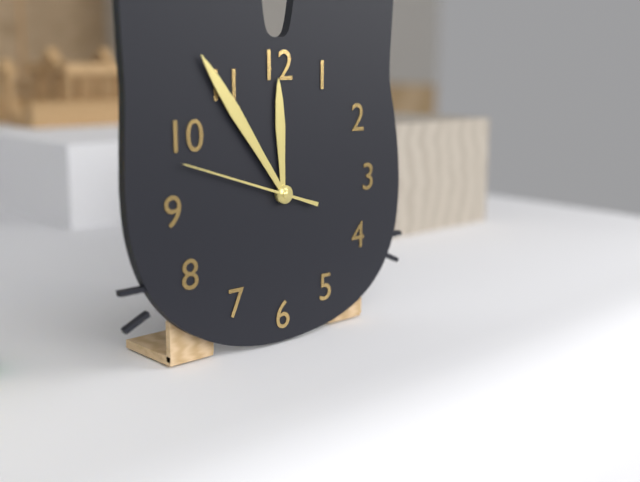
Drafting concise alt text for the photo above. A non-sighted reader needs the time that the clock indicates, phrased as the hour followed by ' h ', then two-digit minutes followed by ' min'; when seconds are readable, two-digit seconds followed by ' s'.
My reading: 11 h 54 min 48 s
